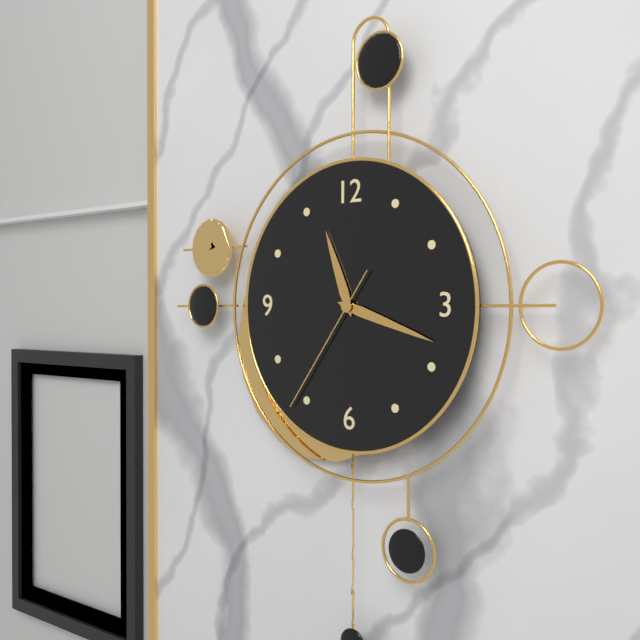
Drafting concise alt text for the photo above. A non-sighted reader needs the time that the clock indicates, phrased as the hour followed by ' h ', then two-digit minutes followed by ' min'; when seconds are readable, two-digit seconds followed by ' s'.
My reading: 11 h 18 min 36 s
